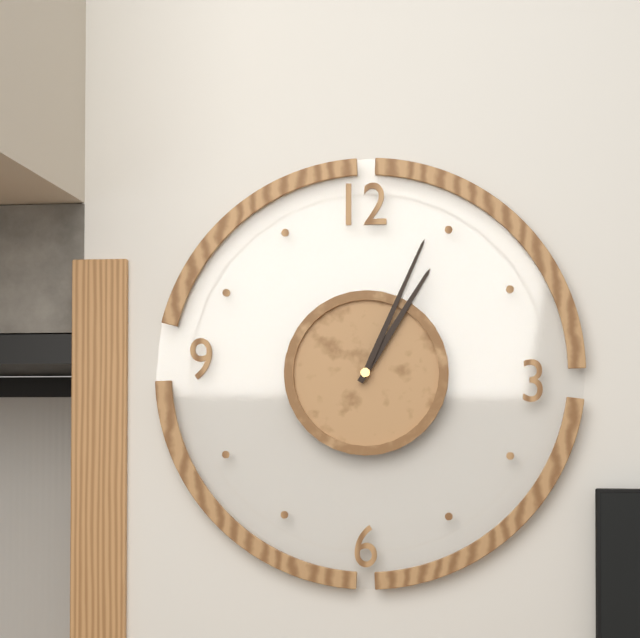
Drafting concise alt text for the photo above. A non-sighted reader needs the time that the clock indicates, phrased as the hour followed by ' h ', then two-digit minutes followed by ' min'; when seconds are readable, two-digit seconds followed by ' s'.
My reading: 1 h 04 min
